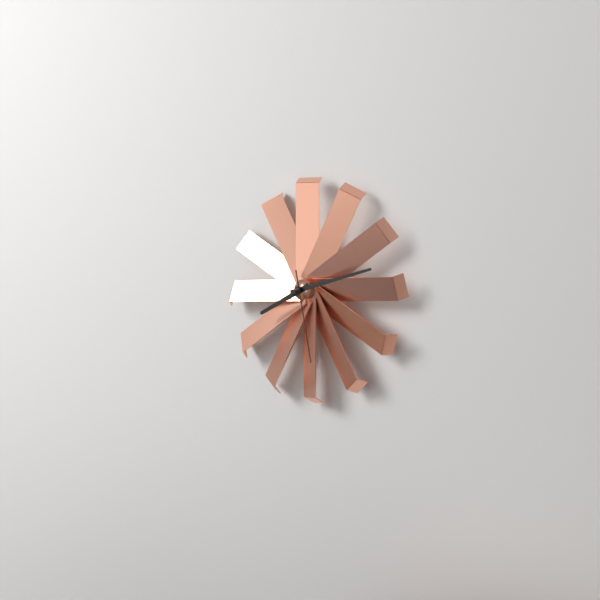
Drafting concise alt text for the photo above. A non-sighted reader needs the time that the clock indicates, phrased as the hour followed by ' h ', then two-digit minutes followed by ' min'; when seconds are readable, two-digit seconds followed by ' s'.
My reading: 8 h 13 min 28 s
